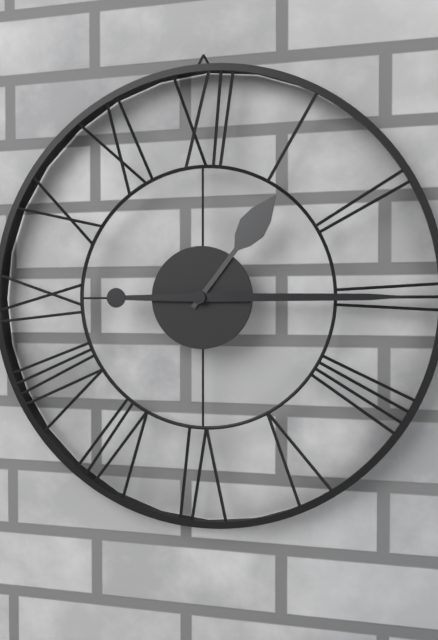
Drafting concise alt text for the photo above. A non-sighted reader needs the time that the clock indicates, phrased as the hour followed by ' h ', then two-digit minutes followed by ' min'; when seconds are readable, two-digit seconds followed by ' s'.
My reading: 1 h 15 min
